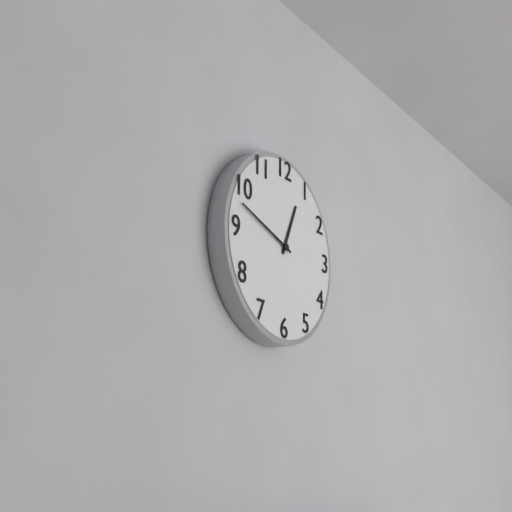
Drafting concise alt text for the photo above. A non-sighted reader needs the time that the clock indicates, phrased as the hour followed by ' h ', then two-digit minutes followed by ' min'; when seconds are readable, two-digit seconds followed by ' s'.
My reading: 12 h 48 min
